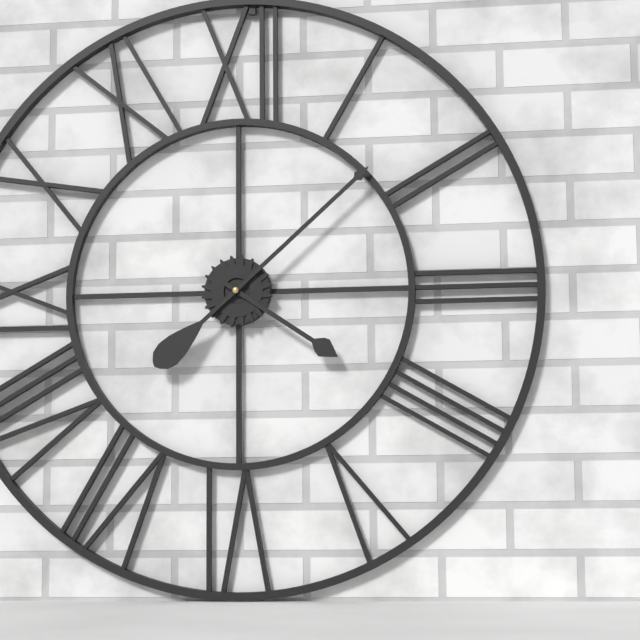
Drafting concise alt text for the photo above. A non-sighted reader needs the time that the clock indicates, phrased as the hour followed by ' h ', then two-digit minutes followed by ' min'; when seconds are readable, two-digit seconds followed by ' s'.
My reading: 4 h 08 min
